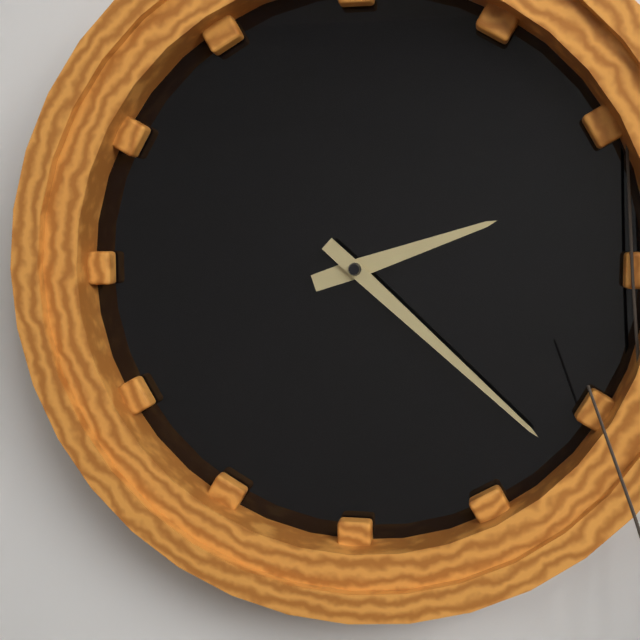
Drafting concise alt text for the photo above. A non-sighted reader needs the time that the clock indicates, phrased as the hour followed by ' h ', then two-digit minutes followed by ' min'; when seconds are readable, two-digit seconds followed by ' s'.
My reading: 2 h 22 min
